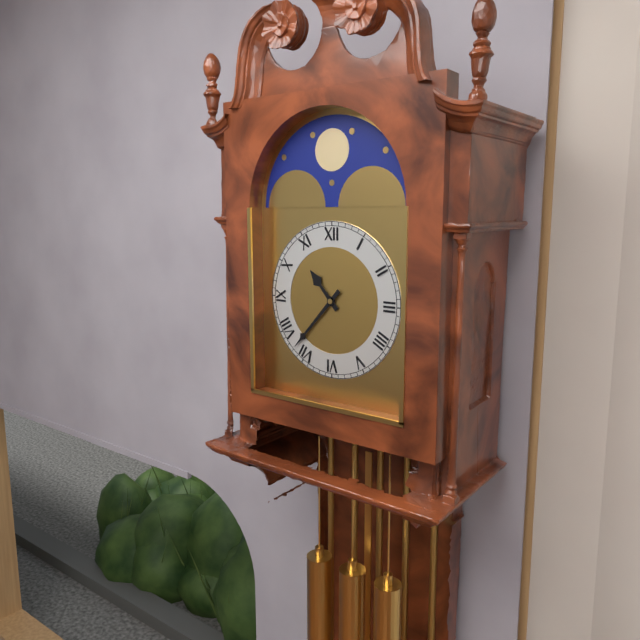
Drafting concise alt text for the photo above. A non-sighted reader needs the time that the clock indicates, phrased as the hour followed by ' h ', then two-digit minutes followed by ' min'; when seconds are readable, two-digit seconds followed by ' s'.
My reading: 10 h 37 min
